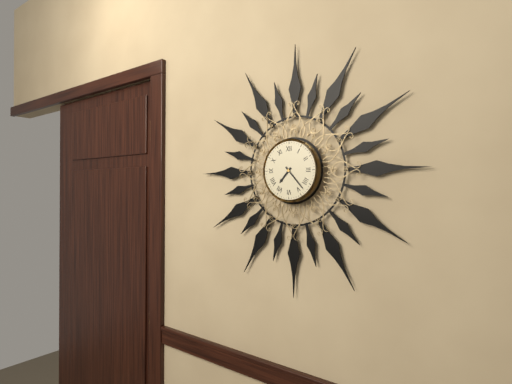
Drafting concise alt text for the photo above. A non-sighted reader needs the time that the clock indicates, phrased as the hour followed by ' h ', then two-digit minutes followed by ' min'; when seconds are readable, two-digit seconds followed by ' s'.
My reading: 7 h 23 min
